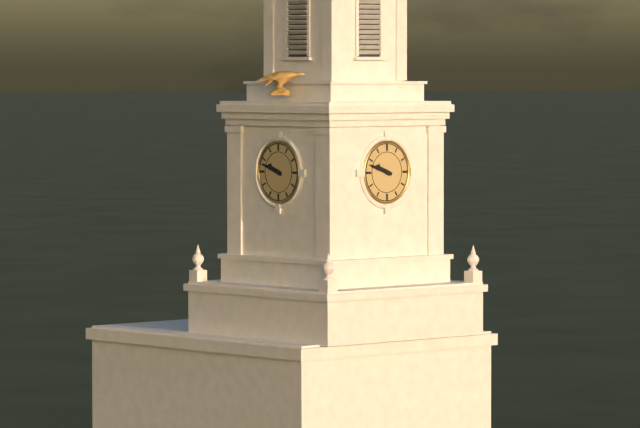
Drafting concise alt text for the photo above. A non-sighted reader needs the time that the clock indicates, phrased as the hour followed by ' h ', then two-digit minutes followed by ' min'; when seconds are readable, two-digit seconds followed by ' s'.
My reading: 9 h 48 min
